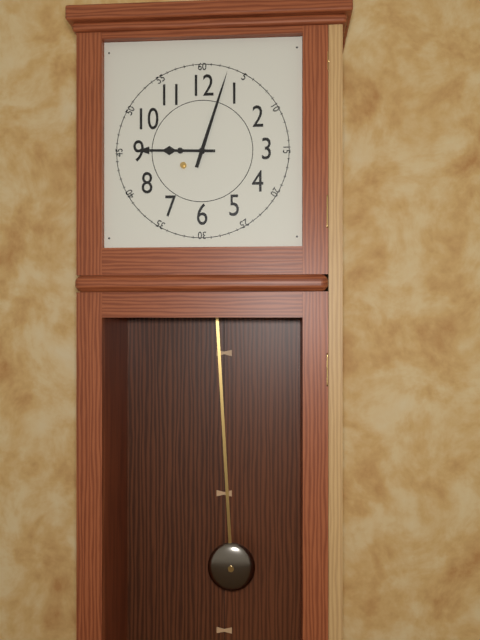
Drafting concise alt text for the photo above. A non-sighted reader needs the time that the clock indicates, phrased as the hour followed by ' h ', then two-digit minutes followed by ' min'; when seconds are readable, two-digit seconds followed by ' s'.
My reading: 9 h 03 min
